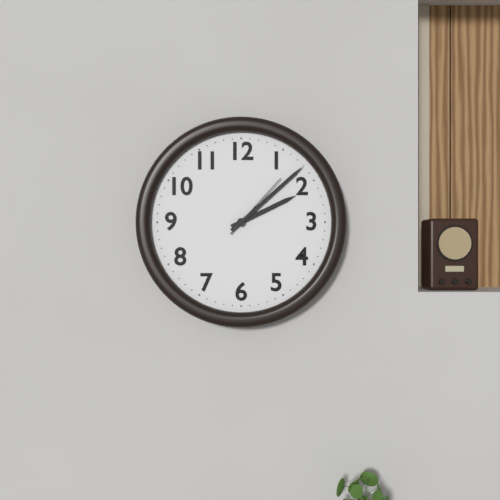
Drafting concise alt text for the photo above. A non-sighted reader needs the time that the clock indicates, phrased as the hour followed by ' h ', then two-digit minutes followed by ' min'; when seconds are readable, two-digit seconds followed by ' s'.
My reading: 2 h 08 min 07 s
